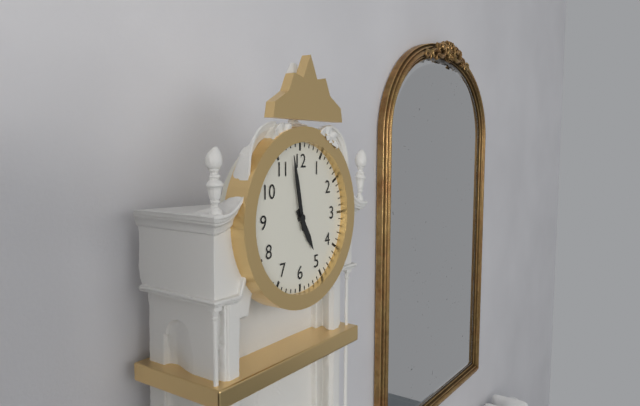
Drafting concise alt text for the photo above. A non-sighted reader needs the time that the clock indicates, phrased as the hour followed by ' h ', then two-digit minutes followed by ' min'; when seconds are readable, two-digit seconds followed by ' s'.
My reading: 4 h 58 min
